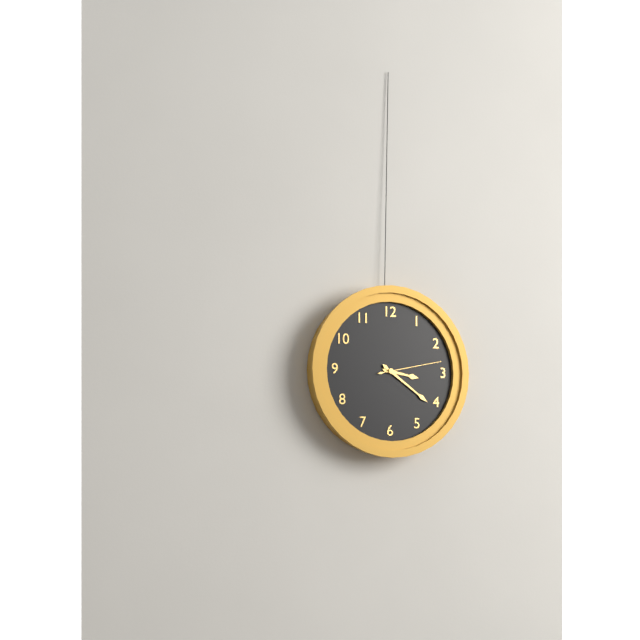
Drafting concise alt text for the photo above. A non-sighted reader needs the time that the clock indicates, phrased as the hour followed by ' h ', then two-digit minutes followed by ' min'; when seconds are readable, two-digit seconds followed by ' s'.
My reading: 3 h 21 min 13 s
